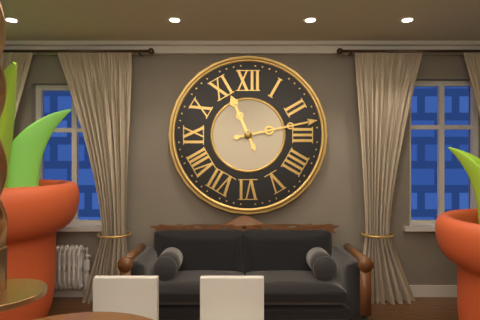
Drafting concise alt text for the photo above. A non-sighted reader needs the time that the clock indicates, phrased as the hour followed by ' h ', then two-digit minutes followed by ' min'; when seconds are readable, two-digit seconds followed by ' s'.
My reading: 11 h 13 min
